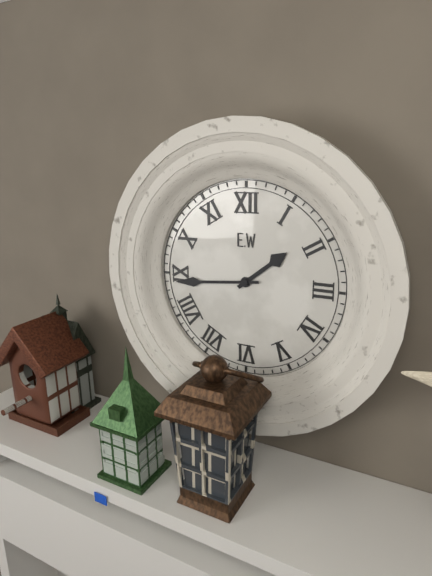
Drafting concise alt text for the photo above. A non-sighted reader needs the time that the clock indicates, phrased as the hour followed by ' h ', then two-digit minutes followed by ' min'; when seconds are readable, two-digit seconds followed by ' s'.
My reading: 1 h 44 min
